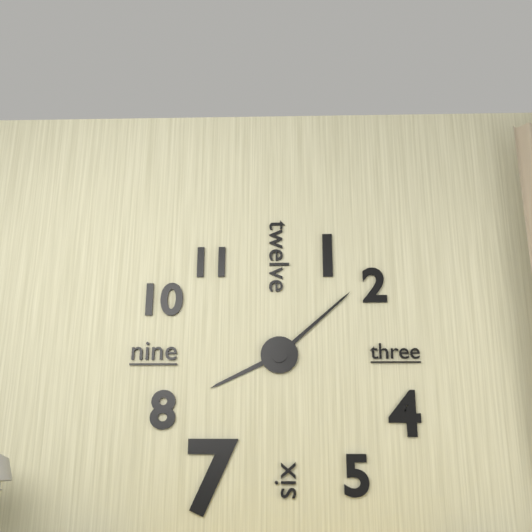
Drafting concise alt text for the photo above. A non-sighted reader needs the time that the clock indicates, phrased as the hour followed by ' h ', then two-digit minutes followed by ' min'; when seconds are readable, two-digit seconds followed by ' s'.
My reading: 8 h 08 min
